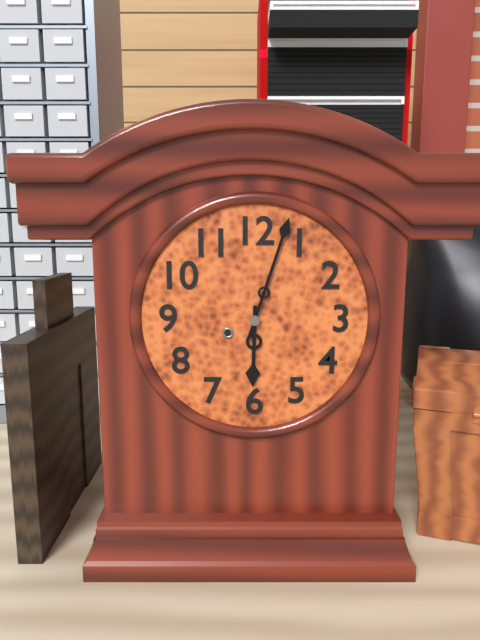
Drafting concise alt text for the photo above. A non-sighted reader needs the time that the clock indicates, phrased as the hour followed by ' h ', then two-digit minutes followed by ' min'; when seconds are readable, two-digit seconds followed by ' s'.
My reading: 6 h 03 min
